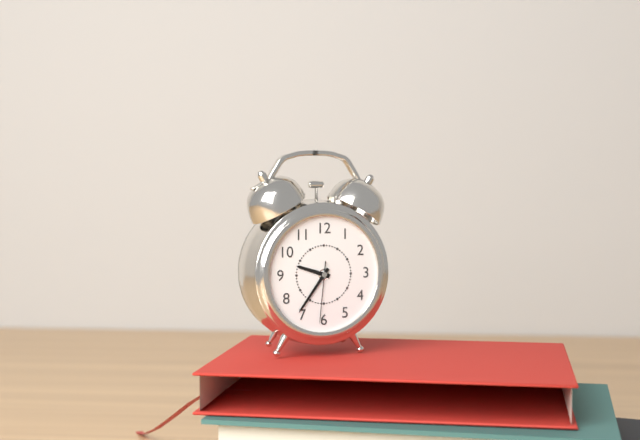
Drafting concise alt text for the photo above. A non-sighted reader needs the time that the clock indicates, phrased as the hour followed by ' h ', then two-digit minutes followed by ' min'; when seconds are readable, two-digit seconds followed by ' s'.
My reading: 9 h 36 min 31 s
